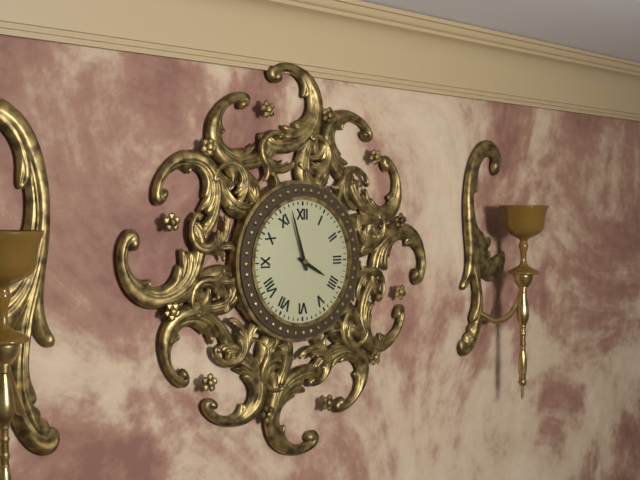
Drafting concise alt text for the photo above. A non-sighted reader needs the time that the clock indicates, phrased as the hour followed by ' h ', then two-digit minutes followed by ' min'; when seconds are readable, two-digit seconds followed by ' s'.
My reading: 3 h 57 min
